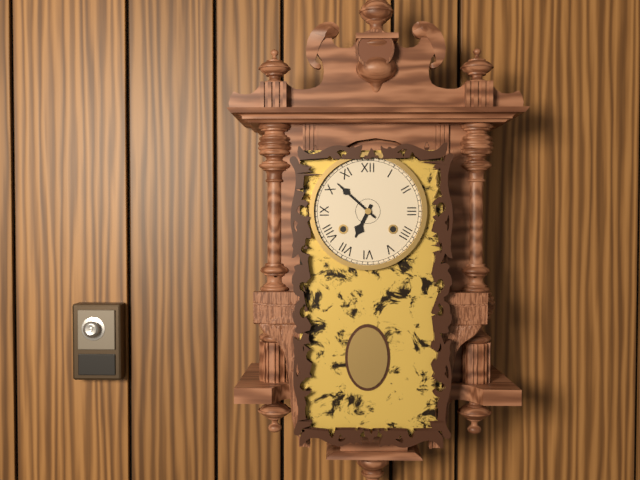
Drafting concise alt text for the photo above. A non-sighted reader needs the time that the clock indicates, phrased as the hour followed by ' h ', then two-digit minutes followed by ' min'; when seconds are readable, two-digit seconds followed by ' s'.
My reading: 6 h 52 min
